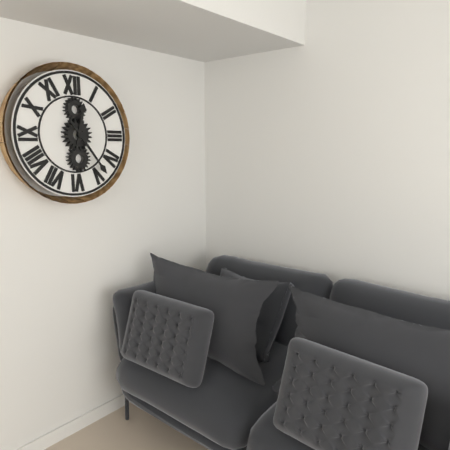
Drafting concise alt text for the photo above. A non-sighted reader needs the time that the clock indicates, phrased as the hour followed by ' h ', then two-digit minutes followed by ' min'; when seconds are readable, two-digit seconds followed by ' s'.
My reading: 12 h 24 min
